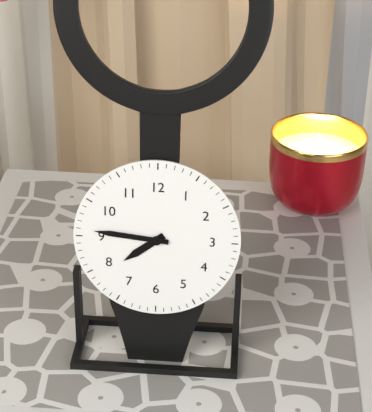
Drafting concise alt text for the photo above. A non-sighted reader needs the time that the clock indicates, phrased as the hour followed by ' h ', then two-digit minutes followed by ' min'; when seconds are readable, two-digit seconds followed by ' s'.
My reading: 7 h 46 min
